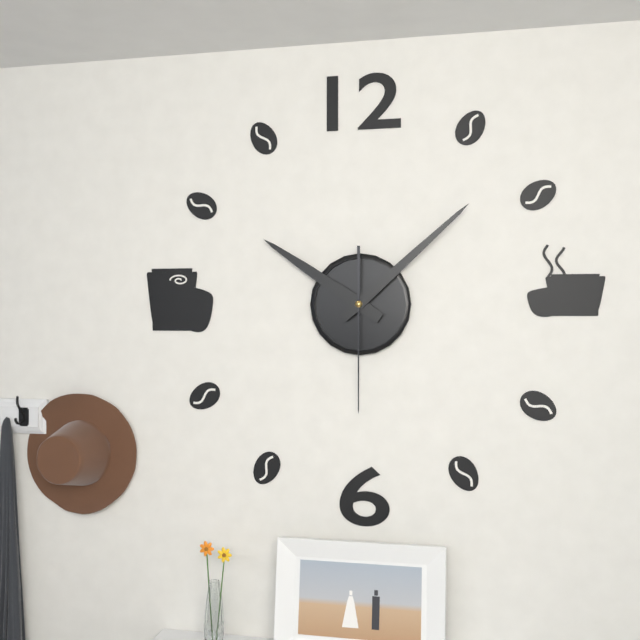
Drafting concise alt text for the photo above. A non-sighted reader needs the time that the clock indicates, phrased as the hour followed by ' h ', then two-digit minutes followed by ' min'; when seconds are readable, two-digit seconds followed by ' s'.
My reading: 10 h 08 min 30 s
